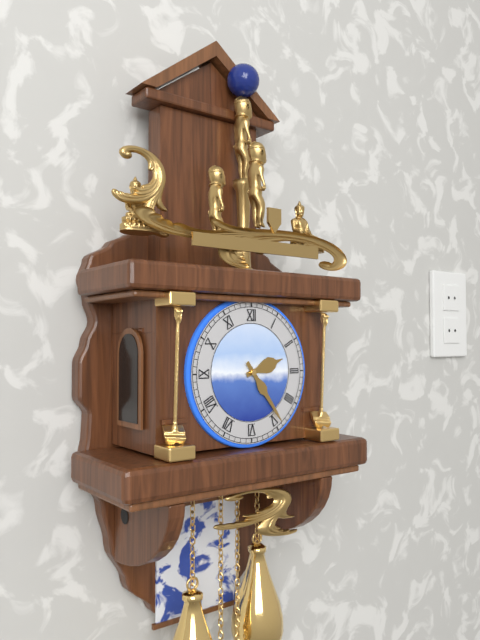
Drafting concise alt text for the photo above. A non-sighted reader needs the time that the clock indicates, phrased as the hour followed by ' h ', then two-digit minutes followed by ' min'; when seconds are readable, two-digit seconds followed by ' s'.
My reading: 2 h 24 min
